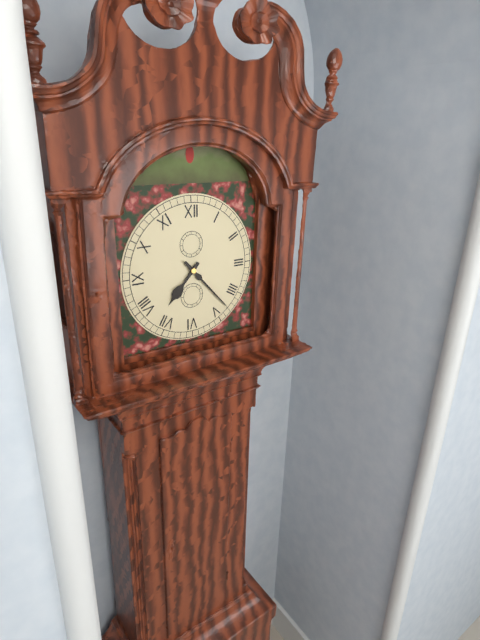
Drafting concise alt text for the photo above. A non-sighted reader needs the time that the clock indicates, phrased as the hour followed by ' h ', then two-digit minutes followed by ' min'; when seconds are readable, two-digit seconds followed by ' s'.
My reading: 7 h 23 min
